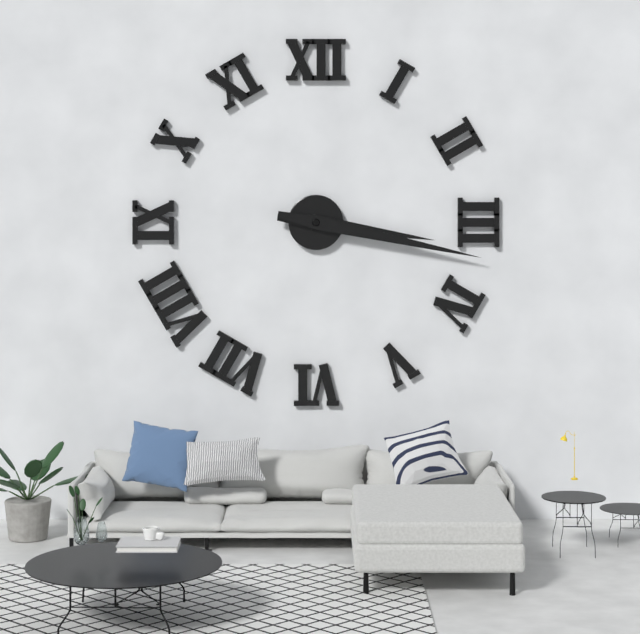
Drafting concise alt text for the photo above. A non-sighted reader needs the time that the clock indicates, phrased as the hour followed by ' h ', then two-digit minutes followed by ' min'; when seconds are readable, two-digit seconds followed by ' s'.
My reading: 3 h 17 min
